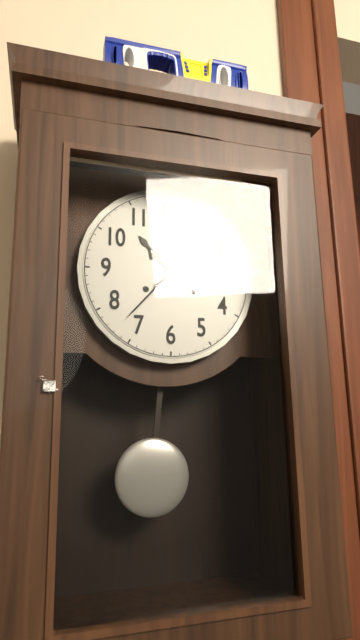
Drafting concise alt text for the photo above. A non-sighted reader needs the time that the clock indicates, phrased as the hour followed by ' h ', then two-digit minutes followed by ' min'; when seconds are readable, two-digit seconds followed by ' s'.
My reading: 10 h 37 min
